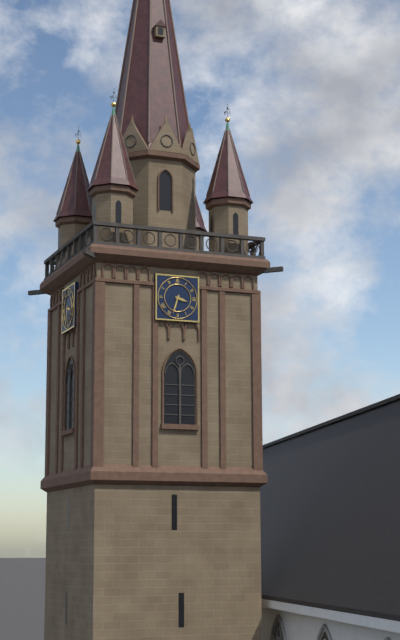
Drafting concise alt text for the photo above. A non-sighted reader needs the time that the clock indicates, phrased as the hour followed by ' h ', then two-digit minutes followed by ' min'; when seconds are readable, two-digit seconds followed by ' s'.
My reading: 3 h 33 min
